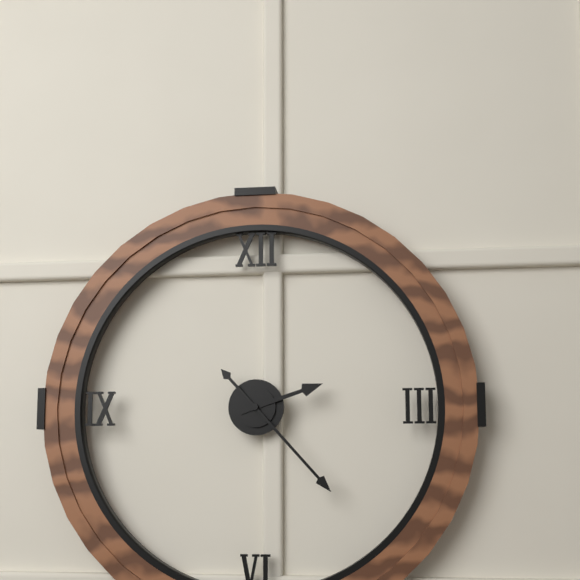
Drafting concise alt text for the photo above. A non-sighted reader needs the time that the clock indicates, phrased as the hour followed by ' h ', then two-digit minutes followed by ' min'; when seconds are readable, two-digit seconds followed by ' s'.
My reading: 2 h 23 min
